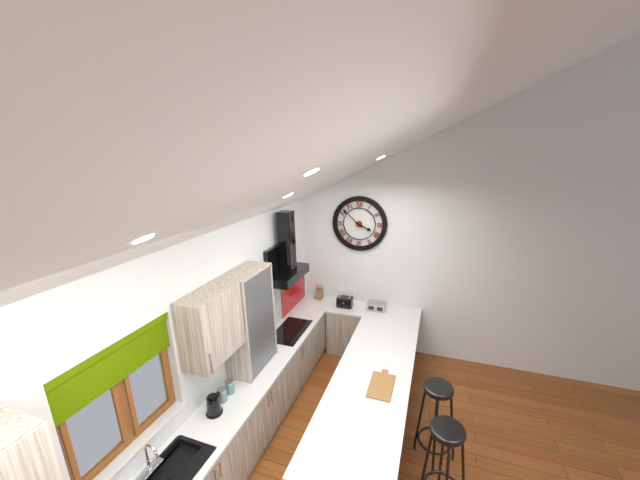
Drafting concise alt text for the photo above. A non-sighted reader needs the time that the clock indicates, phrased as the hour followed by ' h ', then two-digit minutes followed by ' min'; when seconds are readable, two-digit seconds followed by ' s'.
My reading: 3 h 52 min
